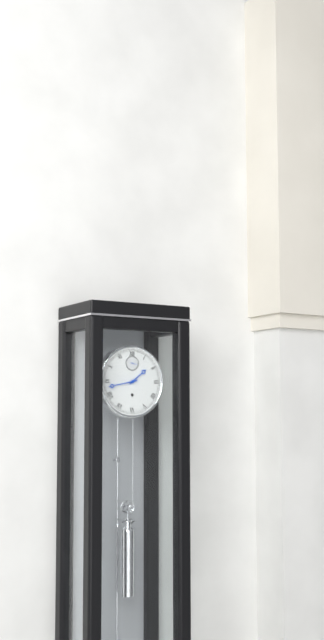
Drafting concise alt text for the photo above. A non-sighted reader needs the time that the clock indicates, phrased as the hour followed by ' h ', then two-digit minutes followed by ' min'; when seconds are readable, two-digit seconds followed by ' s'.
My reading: 1 h 43 min
